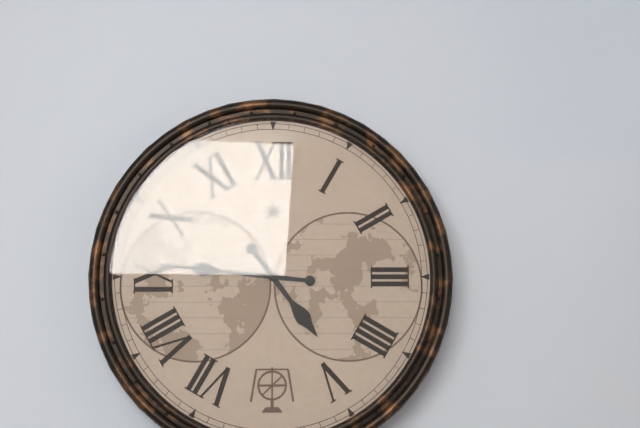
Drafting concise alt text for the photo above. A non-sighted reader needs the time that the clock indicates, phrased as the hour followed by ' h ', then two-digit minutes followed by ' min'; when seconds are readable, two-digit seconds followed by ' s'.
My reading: 4 h 46 min
